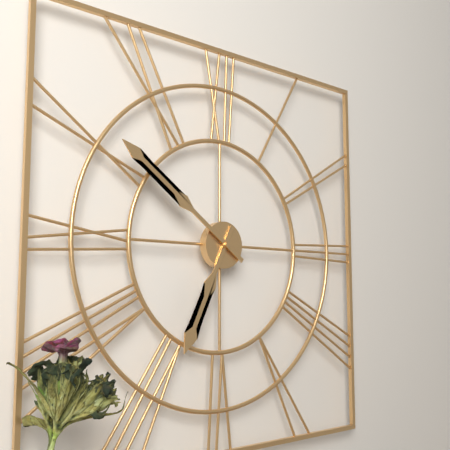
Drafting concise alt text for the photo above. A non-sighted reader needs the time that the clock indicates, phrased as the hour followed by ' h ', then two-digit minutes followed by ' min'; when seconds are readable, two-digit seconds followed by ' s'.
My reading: 6 h 51 min
